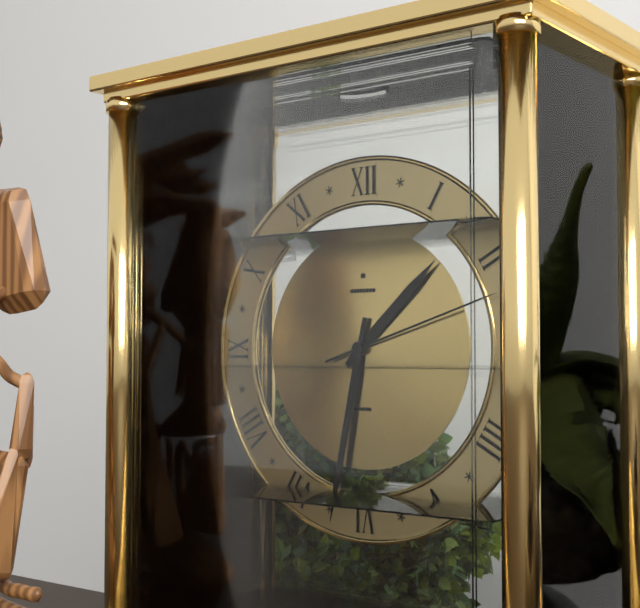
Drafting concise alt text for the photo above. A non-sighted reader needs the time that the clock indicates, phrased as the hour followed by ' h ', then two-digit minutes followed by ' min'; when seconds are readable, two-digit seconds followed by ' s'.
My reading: 1 h 32 min 12 s
